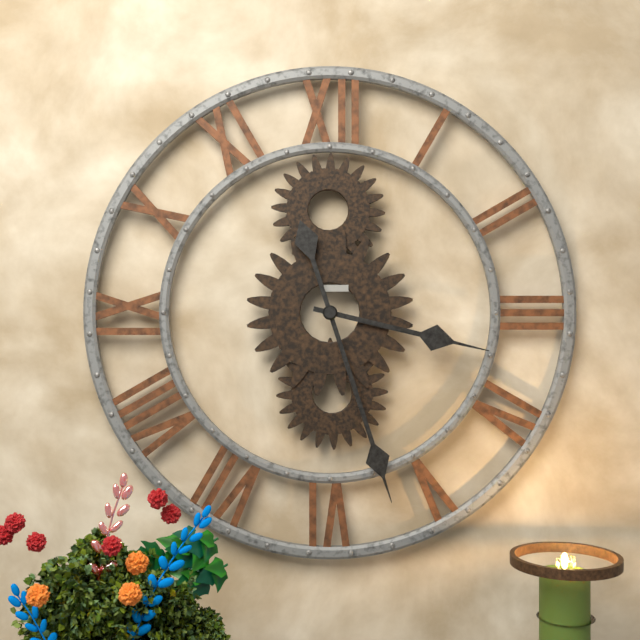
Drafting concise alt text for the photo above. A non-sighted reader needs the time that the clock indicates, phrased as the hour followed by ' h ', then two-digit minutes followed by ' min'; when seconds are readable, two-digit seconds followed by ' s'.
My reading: 3 h 27 min
